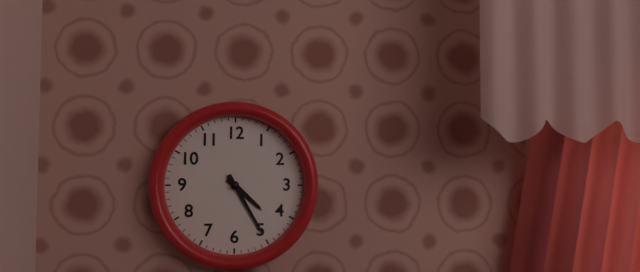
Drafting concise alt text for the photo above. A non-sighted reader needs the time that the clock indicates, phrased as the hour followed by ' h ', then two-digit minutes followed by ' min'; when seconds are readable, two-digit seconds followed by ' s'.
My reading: 4 h 25 min
